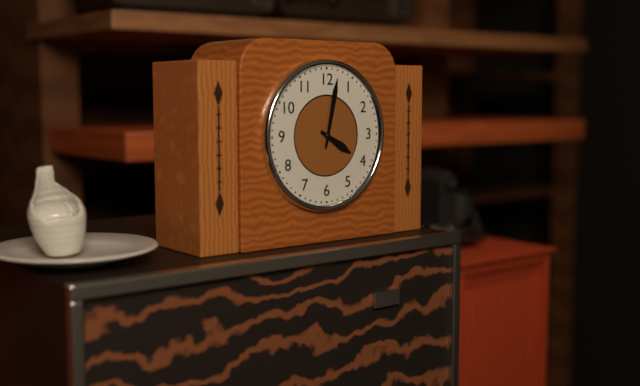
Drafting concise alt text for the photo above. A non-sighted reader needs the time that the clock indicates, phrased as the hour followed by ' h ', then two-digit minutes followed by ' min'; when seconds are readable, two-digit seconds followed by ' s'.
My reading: 4 h 02 min
